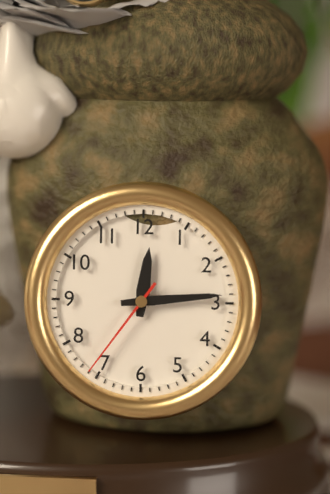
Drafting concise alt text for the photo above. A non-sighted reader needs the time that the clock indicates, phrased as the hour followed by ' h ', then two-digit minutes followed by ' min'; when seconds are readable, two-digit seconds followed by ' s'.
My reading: 12 h 14 min 36 s
